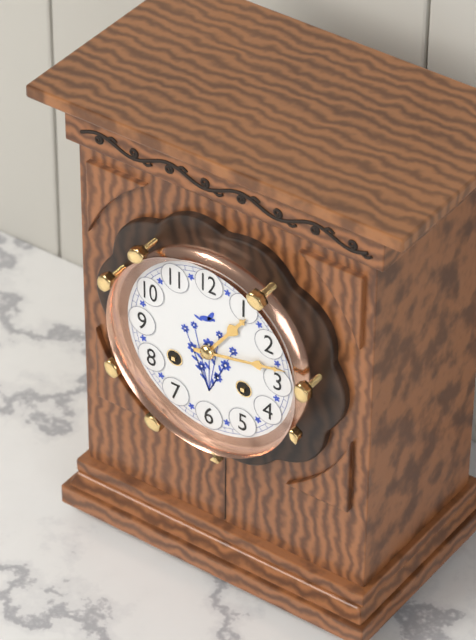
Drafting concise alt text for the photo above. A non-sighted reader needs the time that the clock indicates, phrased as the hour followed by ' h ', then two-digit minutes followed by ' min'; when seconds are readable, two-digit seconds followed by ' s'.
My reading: 1 h 13 min
